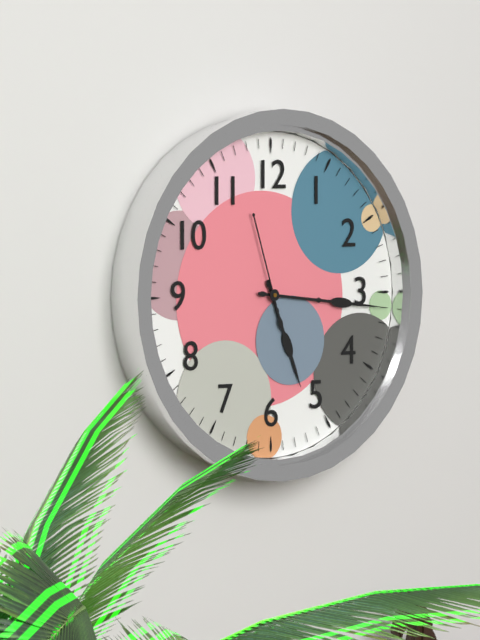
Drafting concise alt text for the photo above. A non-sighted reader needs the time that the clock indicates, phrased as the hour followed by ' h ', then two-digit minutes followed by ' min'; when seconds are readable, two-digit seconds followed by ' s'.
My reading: 5 h 16 min 57 s
